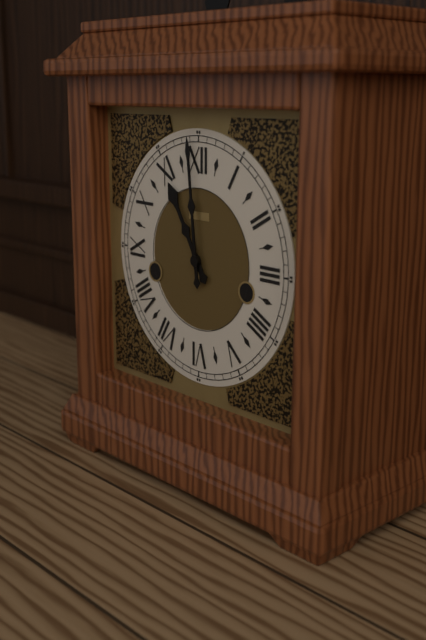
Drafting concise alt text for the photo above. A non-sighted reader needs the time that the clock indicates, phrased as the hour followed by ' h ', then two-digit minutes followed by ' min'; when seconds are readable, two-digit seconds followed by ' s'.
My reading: 10 h 59 min
